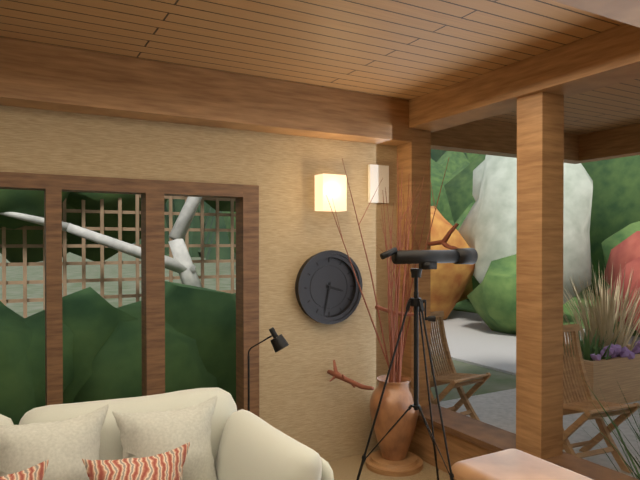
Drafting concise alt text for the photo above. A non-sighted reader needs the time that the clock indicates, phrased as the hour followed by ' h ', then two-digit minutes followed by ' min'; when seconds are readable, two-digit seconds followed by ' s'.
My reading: 3 h 32 min
